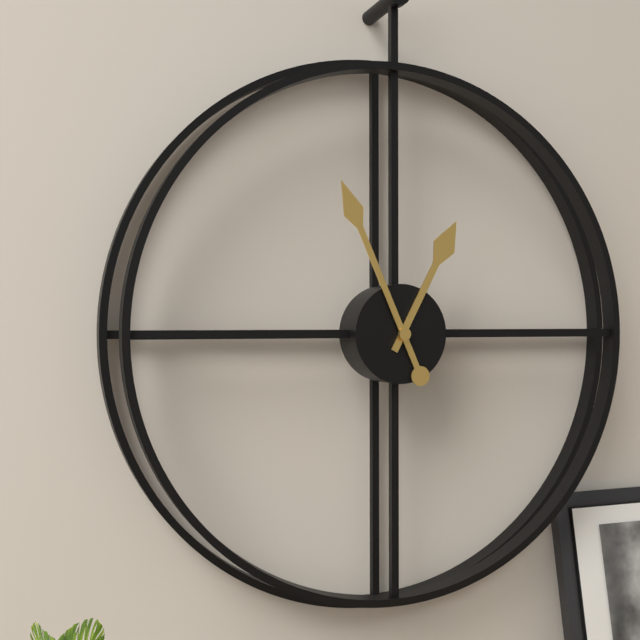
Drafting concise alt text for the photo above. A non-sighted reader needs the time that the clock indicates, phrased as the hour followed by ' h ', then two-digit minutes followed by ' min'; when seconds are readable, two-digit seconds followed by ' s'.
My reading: 12 h 56 min
